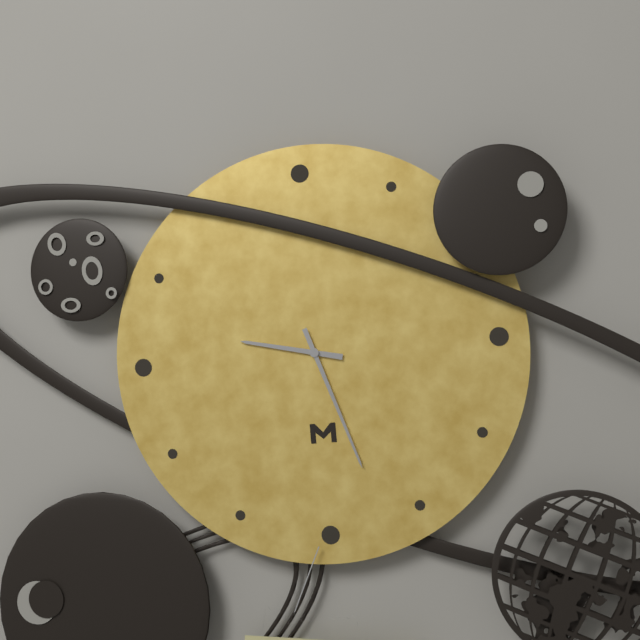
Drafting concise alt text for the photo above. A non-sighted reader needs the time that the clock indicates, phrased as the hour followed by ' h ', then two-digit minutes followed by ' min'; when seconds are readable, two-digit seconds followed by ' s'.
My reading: 9 h 27 min
